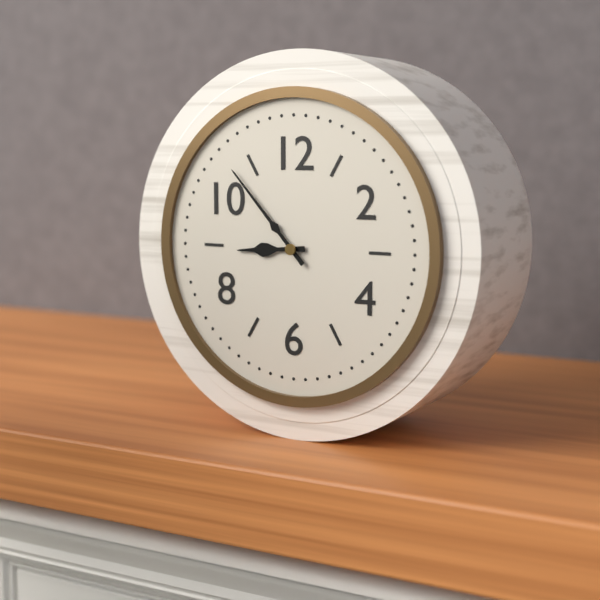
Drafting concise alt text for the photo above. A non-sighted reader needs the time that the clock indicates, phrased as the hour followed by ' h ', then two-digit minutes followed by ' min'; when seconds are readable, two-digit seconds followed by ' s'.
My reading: 8 h 53 min
